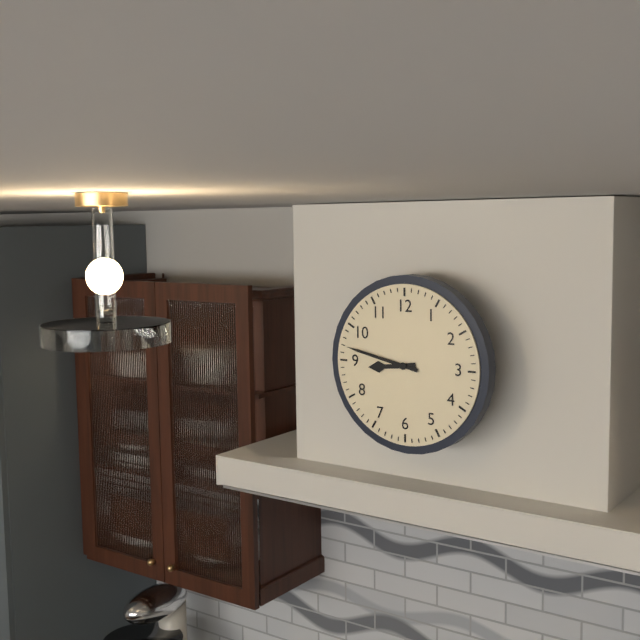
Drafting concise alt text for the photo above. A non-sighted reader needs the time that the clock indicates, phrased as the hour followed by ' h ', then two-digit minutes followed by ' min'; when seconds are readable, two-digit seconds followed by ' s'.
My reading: 8 h 47 min
